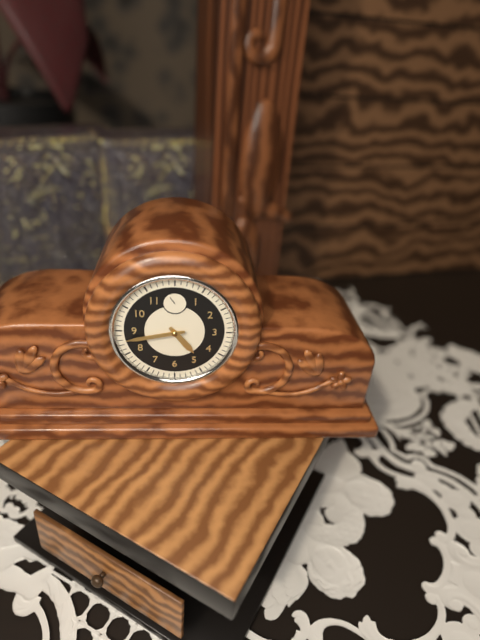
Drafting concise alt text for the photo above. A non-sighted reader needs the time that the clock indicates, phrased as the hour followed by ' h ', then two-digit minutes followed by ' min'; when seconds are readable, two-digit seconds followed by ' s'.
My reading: 4 h 43 min
